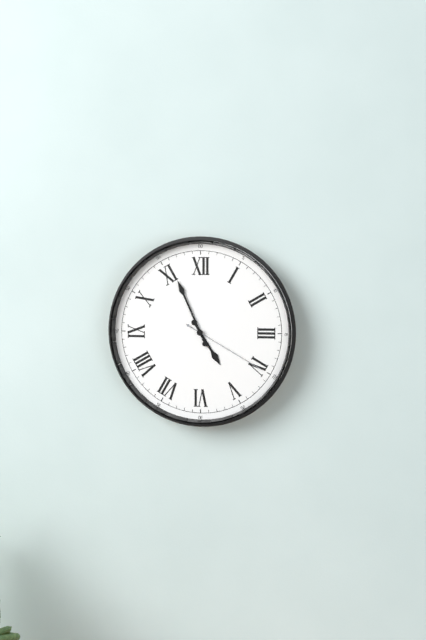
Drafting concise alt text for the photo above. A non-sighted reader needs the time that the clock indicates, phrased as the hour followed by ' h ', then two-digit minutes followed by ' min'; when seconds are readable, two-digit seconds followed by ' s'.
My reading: 4 h 56 min 20 s
